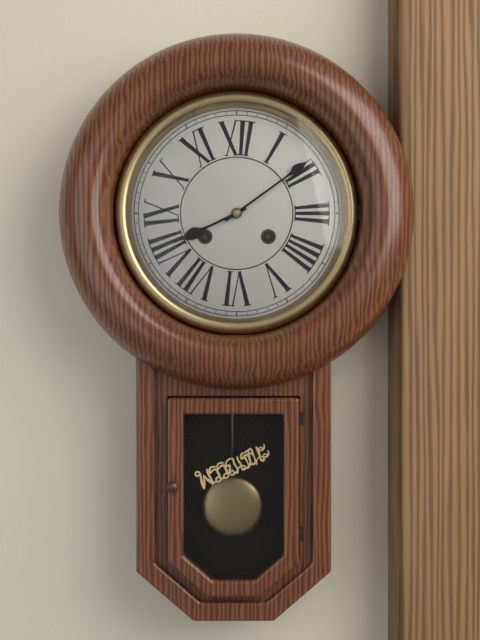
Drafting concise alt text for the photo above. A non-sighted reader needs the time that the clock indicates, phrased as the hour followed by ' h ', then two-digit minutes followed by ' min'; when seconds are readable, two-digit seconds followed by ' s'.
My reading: 8 h 09 min
